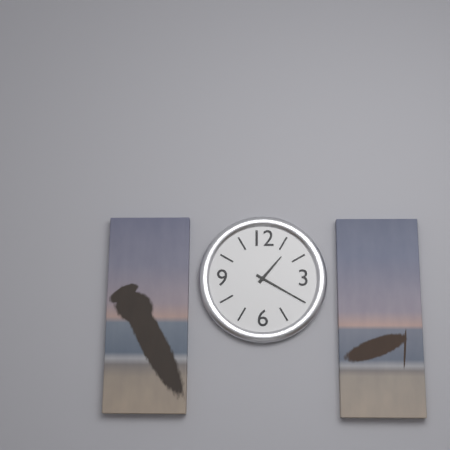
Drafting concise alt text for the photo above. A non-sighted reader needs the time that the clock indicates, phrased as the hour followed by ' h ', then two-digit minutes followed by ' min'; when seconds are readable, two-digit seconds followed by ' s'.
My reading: 1 h 20 min
